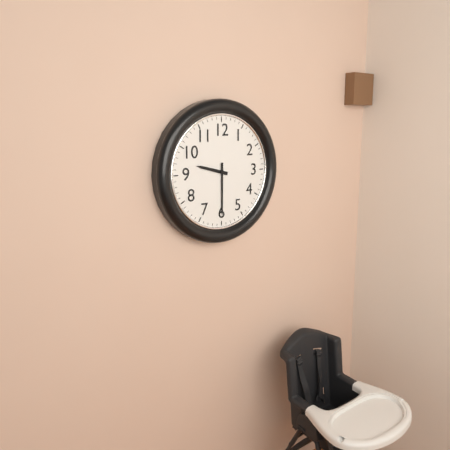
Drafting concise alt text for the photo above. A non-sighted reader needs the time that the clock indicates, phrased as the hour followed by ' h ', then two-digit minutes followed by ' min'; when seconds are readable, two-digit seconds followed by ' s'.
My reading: 9 h 30 min
